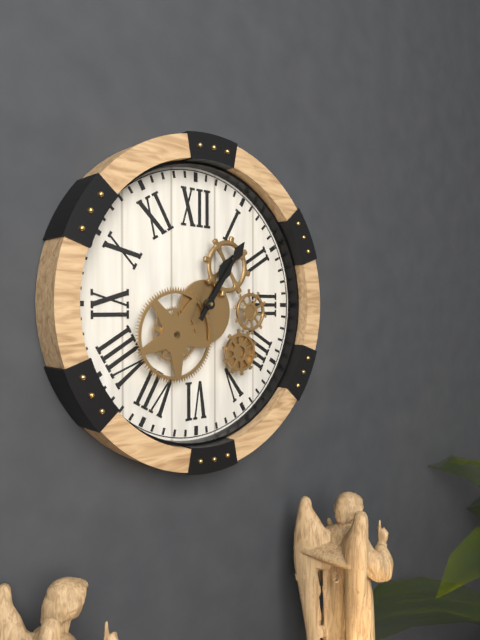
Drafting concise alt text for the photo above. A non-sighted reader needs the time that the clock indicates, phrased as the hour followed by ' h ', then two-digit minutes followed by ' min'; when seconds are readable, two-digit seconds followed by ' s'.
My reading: 1 h 06 min
